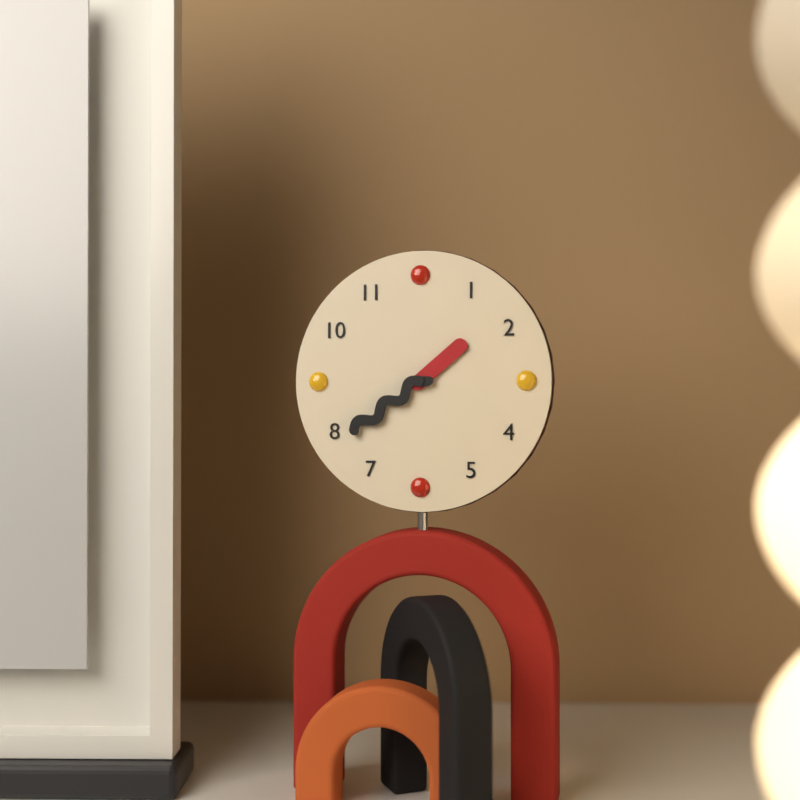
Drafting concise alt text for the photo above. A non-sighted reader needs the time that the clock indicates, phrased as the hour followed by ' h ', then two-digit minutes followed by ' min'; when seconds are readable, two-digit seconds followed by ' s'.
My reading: 1 h 39 min
